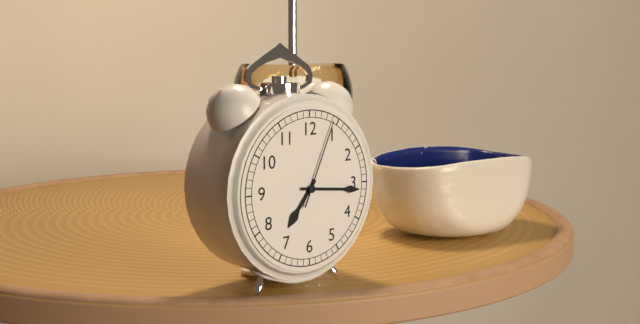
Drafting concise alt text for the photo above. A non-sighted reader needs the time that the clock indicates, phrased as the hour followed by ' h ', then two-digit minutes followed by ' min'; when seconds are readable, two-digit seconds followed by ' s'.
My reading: 7 h 16 min 04 s
